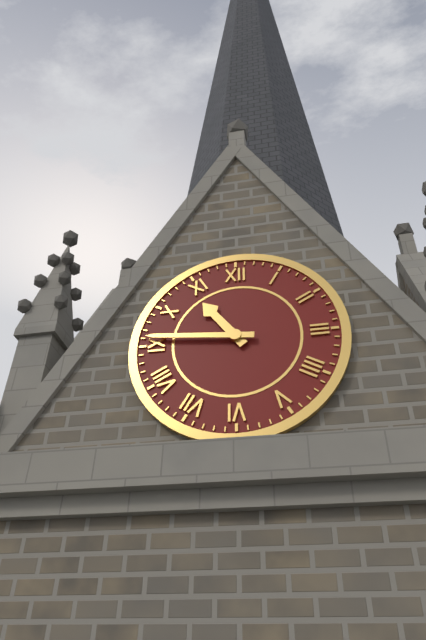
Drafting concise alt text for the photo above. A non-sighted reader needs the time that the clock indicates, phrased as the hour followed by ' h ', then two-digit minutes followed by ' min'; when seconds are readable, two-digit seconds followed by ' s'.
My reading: 10 h 46 min
